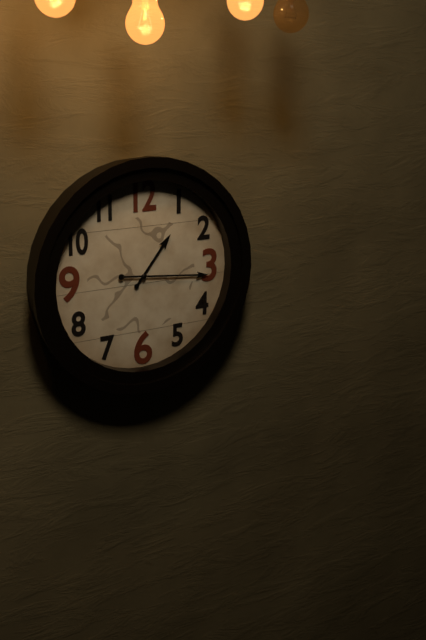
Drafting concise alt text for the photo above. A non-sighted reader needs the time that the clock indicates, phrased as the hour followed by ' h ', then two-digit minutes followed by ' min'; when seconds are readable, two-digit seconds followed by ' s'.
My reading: 1 h 16 min
